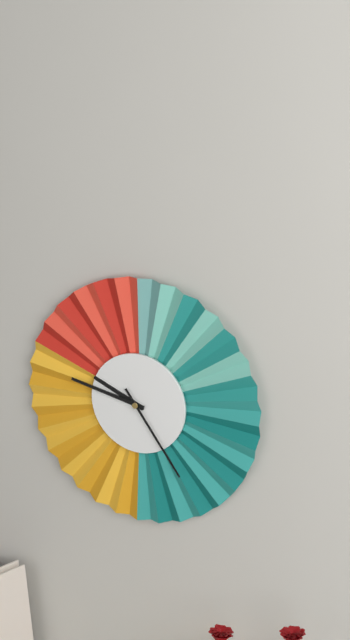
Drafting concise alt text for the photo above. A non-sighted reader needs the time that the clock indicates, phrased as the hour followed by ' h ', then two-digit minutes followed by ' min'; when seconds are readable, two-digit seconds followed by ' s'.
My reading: 9 h 47 min 24 s
